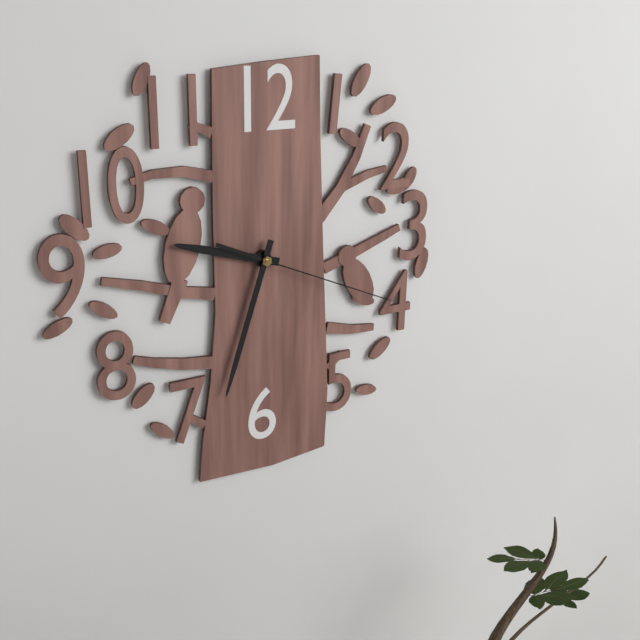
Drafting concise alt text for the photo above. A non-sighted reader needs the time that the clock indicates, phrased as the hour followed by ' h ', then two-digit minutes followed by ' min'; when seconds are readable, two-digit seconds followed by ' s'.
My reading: 9 h 33 min 19 s
